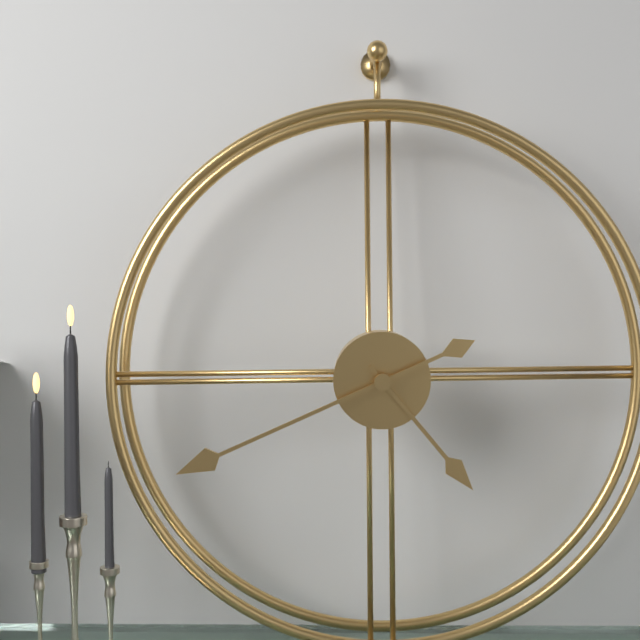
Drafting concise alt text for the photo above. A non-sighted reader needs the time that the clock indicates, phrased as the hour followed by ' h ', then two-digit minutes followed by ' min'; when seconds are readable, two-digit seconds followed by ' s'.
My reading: 4 h 41 min
